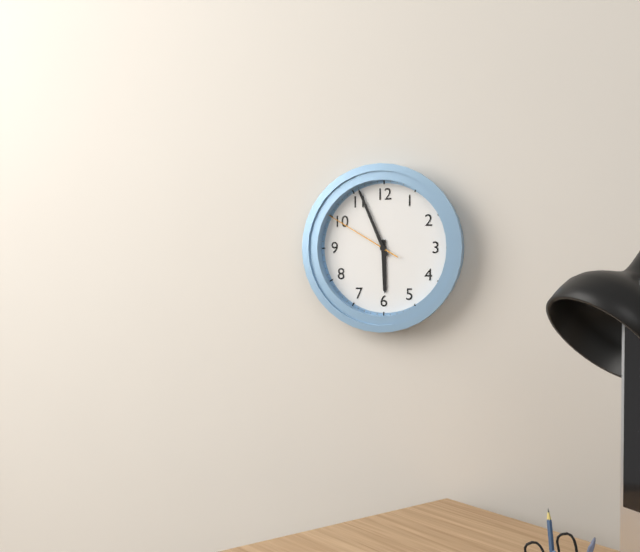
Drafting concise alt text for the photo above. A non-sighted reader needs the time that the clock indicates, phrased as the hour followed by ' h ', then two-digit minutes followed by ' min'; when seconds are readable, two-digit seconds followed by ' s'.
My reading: 5 h 56 min 50 s
